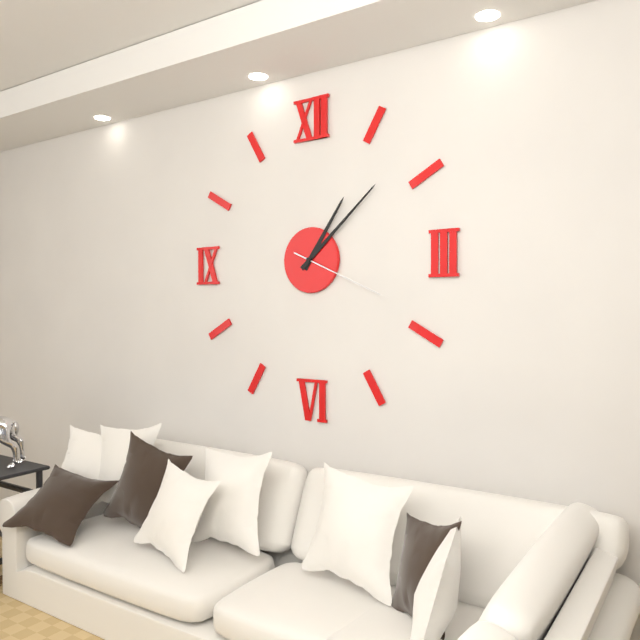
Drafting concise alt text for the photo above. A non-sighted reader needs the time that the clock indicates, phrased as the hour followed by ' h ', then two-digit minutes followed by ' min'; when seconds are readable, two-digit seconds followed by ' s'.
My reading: 1 h 08 min 19 s
